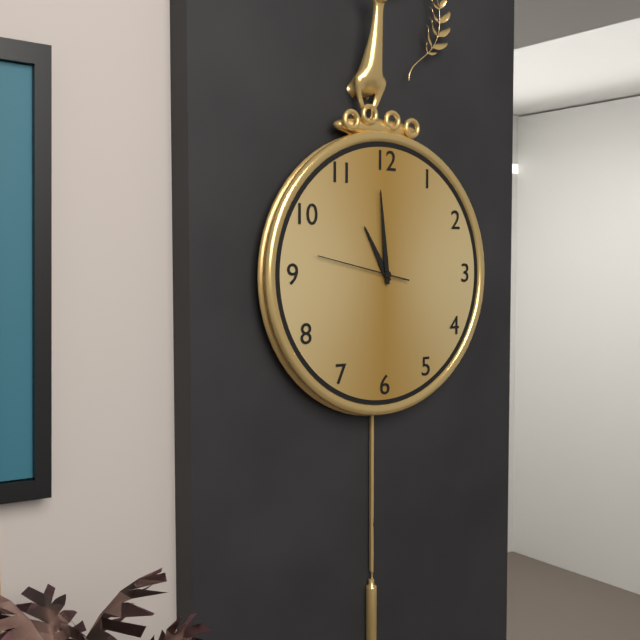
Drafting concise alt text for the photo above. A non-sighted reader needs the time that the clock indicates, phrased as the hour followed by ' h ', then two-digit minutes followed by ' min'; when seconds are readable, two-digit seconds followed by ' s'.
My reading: 10 h 59 min 47 s
